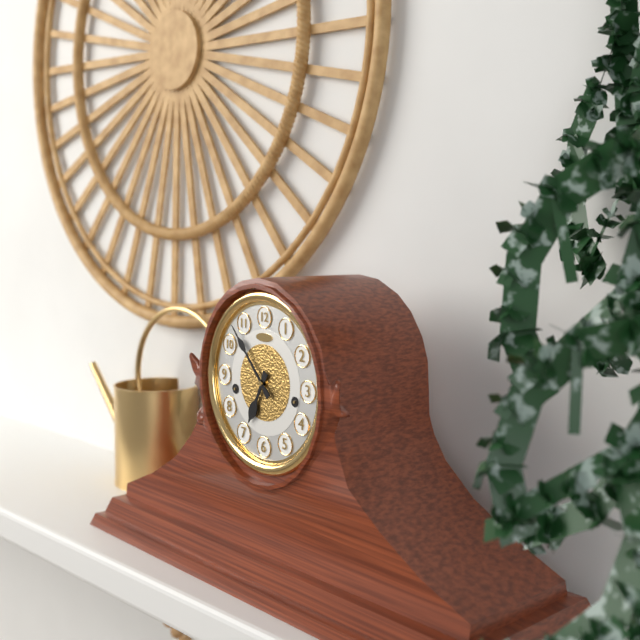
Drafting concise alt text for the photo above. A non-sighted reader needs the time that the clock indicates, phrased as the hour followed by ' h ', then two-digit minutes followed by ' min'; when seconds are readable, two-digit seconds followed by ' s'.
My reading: 6 h 53 min
